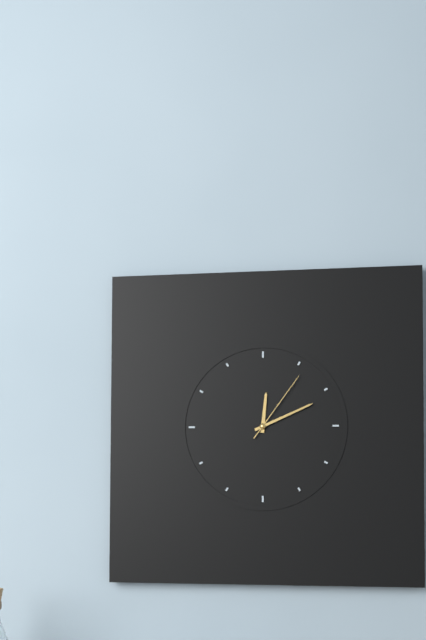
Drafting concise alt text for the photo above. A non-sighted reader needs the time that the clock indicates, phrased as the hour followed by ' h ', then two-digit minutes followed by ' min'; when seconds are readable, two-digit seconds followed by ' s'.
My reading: 12 h 11 min 06 s
